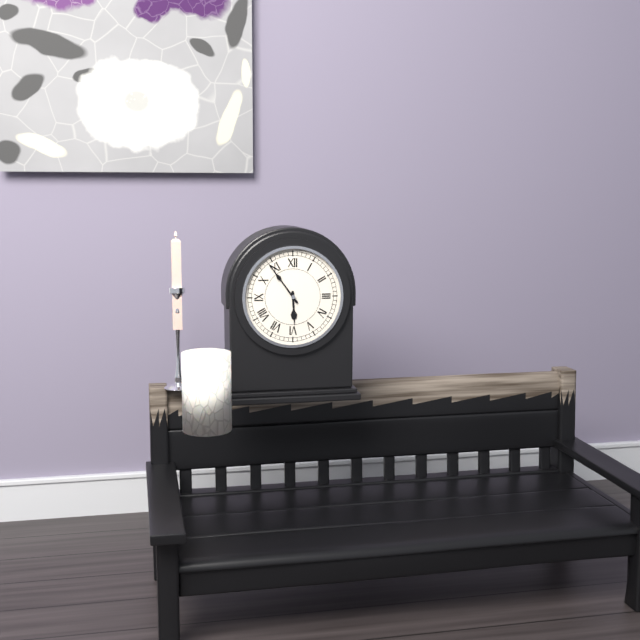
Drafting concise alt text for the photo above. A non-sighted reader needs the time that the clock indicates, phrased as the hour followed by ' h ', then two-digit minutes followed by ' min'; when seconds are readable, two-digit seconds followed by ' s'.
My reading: 5 h 54 min
